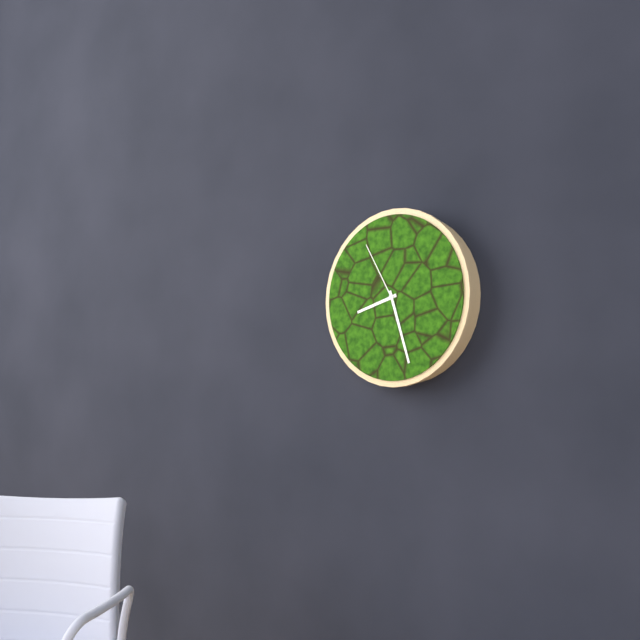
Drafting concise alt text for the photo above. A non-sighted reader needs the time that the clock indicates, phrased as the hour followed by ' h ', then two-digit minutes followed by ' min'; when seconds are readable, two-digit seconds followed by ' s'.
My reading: 8 h 27 min 55 s
